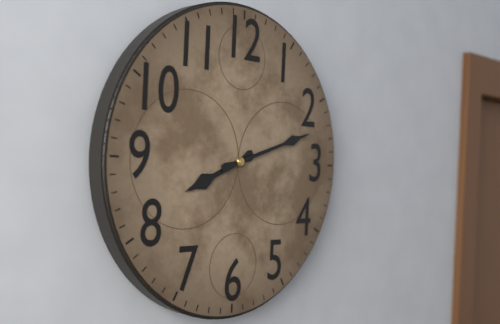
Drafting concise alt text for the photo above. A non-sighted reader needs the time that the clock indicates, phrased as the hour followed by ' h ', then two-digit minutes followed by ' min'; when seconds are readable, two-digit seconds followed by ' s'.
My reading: 8 h 12 min
